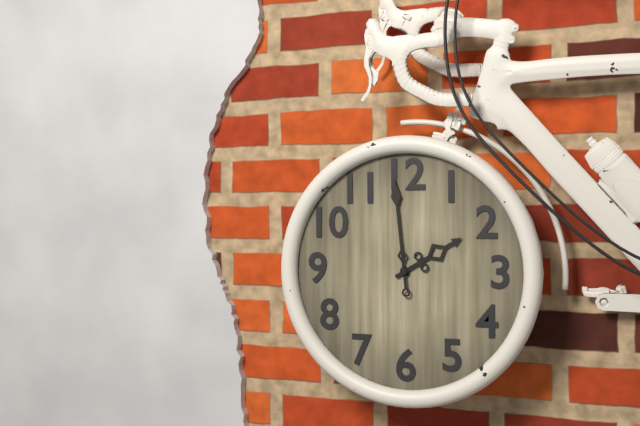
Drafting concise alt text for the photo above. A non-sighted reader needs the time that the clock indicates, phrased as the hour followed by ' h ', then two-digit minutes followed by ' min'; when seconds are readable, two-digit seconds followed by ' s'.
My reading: 1 h 59 min
